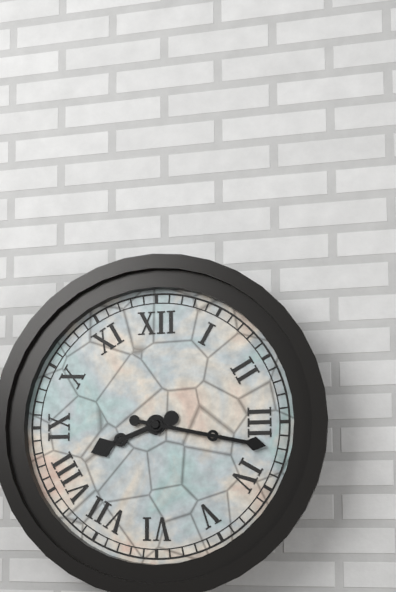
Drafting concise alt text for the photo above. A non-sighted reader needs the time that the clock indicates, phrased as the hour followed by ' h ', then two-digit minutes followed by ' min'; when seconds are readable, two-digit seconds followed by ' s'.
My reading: 8 h 17 min
